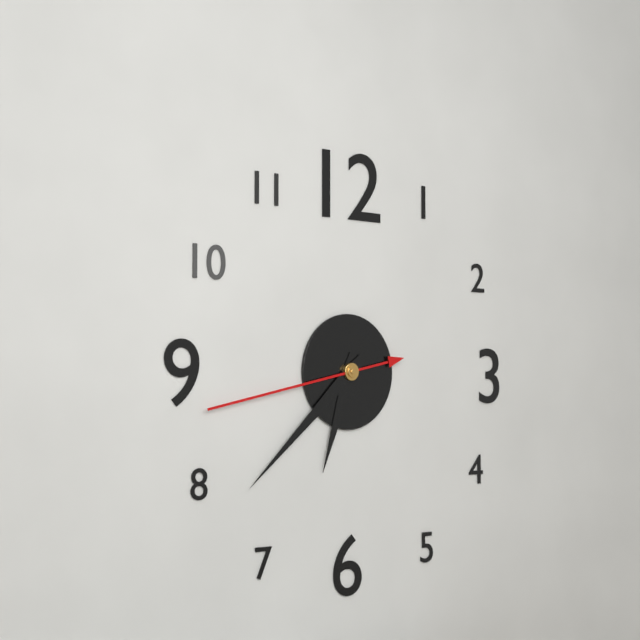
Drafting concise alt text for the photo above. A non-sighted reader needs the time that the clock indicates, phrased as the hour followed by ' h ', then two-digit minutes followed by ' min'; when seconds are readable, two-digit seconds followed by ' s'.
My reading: 6 h 38 min 43 s
